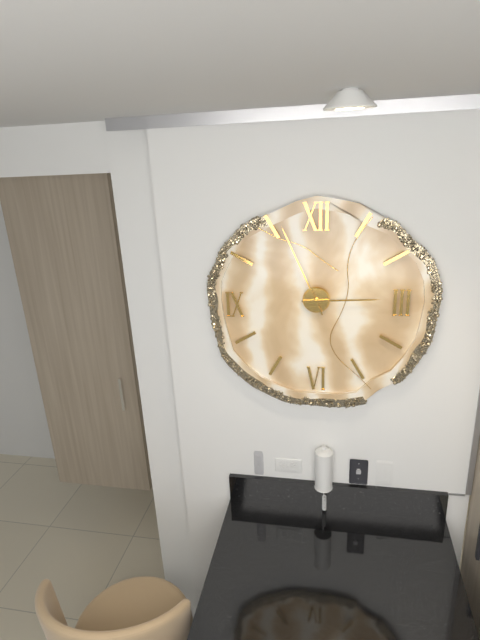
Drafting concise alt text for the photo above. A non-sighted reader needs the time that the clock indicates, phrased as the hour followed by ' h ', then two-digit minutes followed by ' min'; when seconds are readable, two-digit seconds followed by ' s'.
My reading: 2 h 56 min
